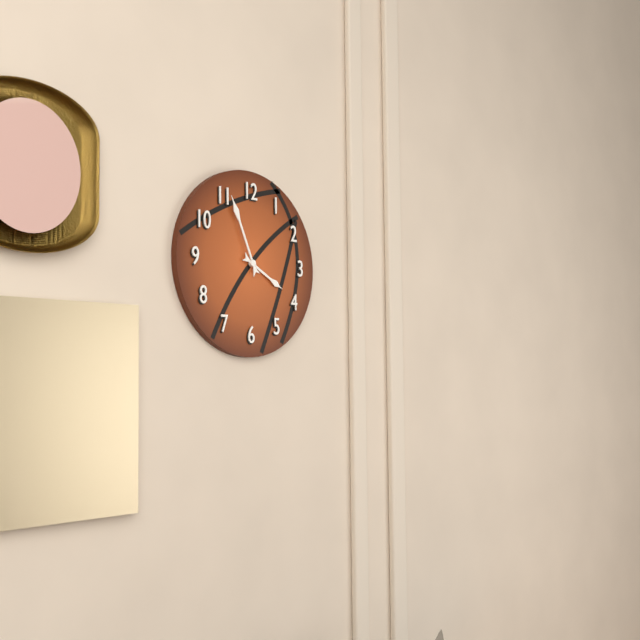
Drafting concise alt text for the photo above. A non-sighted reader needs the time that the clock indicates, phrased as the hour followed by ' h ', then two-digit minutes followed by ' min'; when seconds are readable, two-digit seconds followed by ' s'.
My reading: 3 h 56 min
